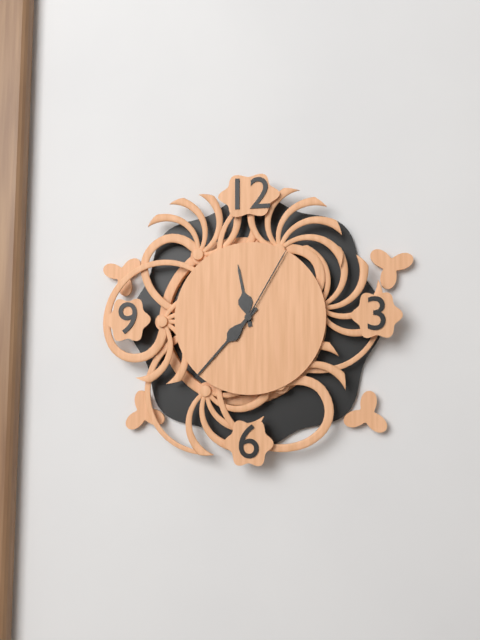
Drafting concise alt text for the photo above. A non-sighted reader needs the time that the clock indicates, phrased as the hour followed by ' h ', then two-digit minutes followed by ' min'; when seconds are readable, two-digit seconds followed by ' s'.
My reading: 11 h 37 min 05 s
